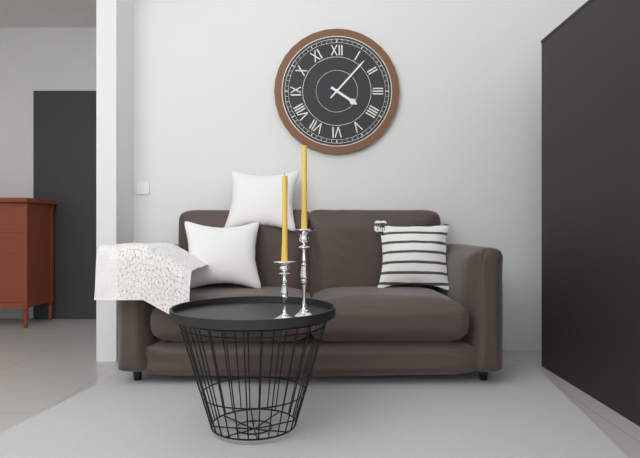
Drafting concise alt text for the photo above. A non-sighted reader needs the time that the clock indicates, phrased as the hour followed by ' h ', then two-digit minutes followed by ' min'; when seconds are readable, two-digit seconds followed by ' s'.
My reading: 4 h 07 min
